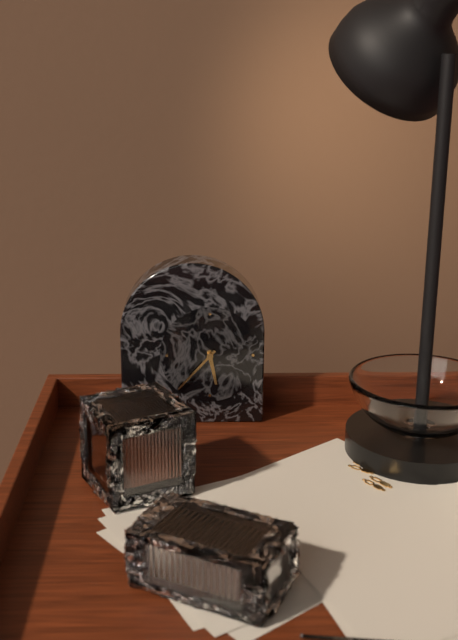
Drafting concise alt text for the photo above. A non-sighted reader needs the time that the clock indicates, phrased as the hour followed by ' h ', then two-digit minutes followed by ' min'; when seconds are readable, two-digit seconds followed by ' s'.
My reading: 5 h 37 min
